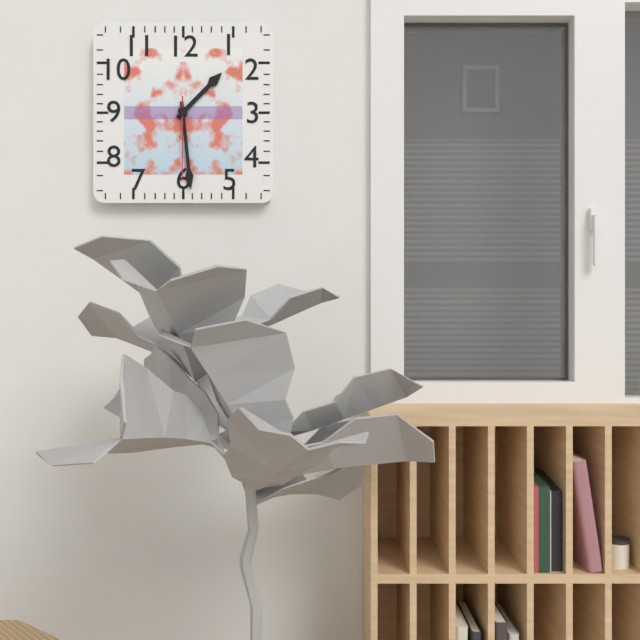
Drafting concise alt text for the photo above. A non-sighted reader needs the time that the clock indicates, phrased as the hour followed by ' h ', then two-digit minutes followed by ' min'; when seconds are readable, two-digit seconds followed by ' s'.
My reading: 1 h 29 min 30 s
